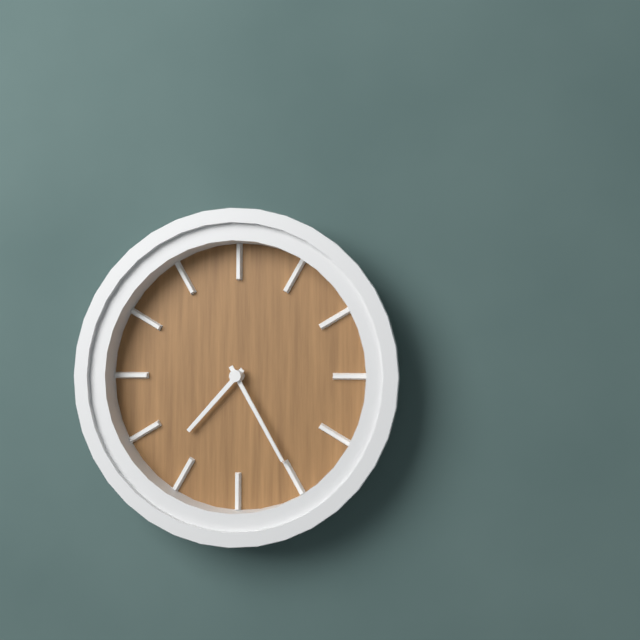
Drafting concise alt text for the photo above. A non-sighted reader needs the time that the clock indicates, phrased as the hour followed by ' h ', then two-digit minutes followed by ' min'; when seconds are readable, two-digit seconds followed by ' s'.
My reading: 7 h 25 min
